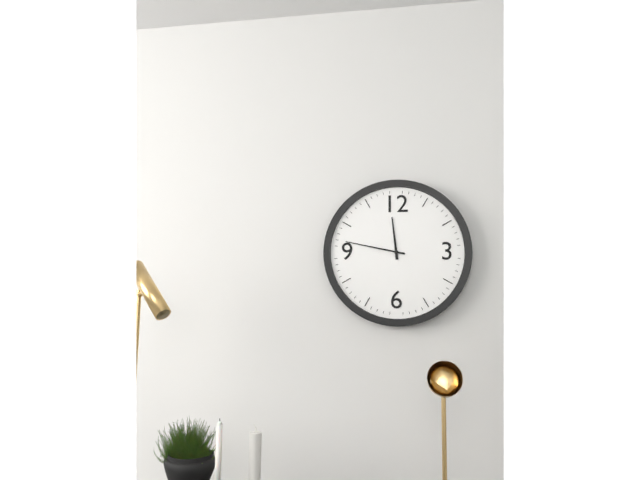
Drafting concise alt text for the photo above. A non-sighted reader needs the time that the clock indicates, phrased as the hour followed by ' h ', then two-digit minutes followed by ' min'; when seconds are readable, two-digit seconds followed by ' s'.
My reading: 11 h 47 min
